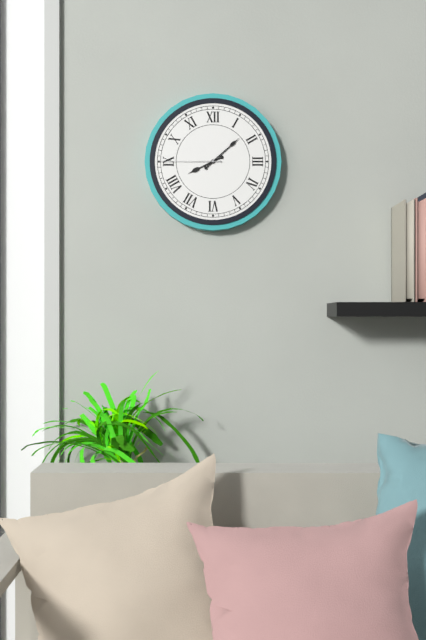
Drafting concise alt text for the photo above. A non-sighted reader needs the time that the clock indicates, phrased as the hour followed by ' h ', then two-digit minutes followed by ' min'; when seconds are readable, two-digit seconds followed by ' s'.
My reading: 8 h 08 min 45 s
